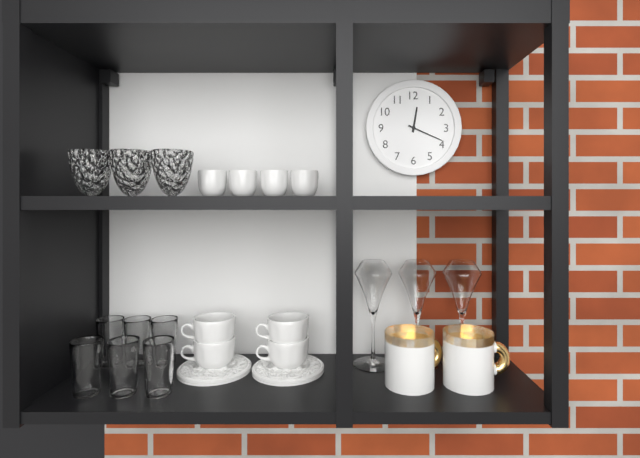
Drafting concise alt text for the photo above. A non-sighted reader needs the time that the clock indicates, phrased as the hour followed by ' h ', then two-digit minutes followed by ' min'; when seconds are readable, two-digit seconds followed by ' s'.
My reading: 12 h 19 min
